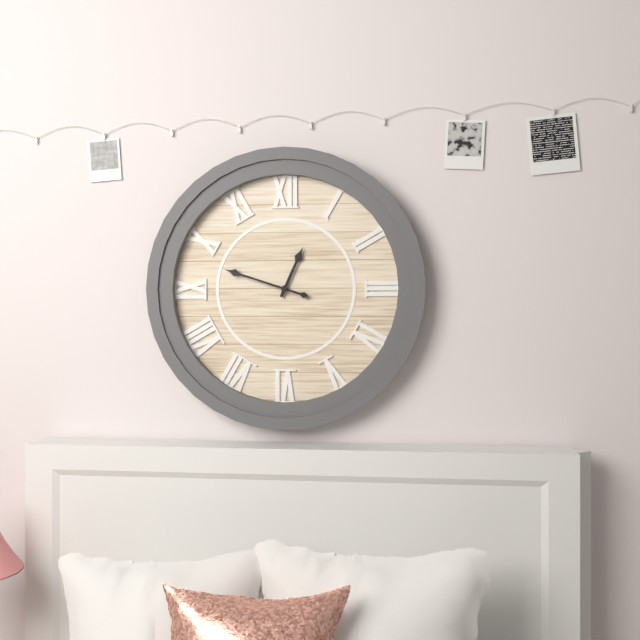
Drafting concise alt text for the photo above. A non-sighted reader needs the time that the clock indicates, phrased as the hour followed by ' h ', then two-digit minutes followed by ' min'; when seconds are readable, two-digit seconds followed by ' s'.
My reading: 12 h 48 min
